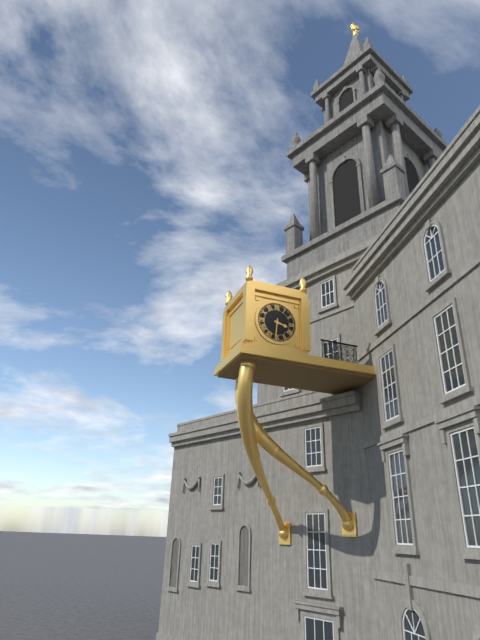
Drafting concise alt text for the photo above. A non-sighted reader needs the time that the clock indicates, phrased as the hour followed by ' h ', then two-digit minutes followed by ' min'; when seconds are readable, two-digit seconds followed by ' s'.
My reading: 3 h 31 min
